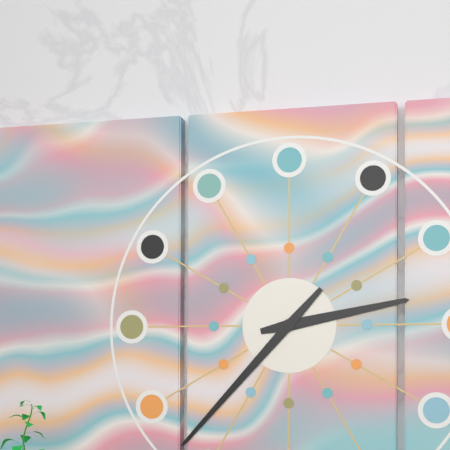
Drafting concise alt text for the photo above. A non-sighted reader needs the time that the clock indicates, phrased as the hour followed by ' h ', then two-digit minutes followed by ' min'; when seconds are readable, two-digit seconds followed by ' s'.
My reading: 2 h 37 min
